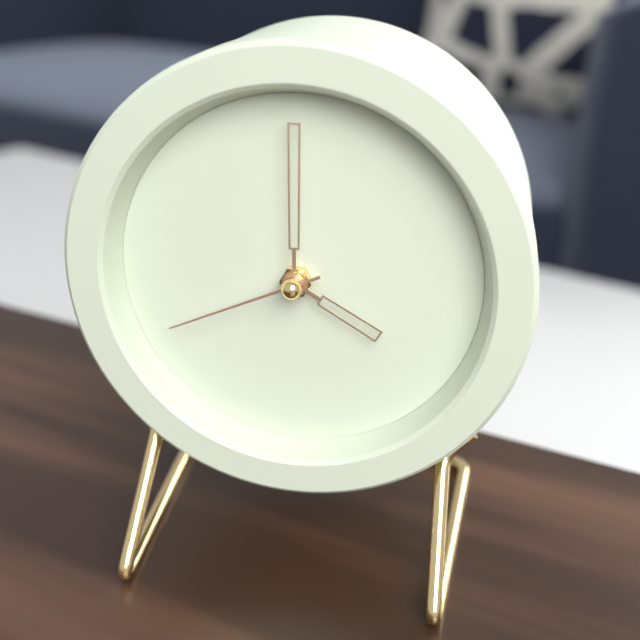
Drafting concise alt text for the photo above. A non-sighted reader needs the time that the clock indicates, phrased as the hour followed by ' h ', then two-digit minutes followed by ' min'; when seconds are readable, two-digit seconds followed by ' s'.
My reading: 4 h 00 min 41 s
